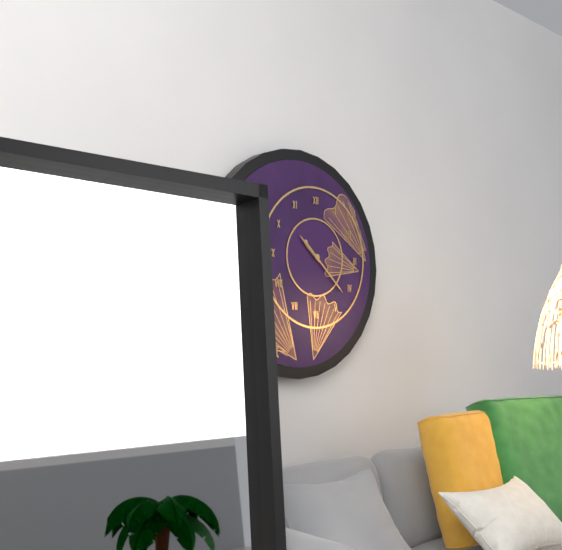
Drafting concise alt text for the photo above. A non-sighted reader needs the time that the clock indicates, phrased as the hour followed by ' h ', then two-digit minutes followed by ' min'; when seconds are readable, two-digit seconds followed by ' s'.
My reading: 10 h 22 min
